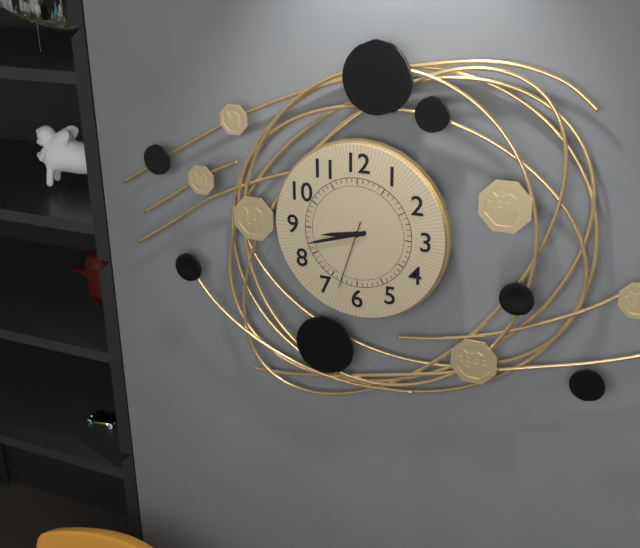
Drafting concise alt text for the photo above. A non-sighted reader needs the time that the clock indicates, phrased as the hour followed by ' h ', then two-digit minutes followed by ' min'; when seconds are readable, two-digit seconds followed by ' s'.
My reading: 8 h 42 min 33 s
